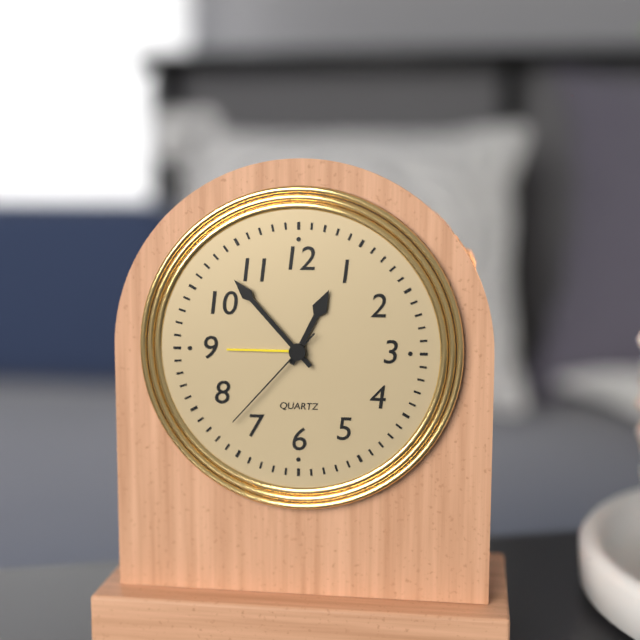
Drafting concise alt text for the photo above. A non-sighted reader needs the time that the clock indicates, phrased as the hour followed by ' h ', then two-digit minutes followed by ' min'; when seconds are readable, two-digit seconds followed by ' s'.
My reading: 12 h 53 min 37 s
